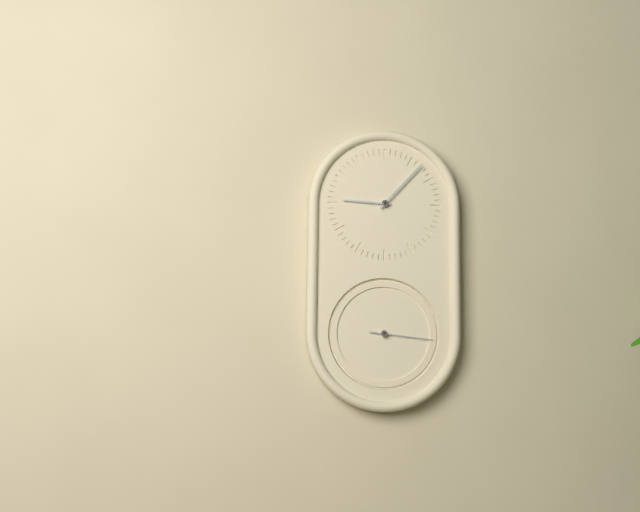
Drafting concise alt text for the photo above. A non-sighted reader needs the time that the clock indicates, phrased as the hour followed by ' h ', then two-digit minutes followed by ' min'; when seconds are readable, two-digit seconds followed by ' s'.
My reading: 9 h 07 min 16 s
